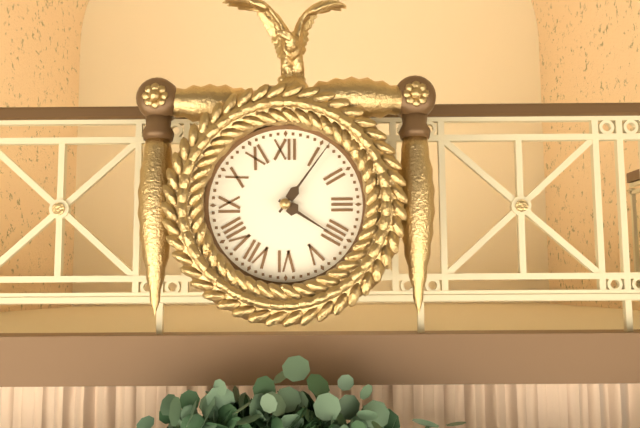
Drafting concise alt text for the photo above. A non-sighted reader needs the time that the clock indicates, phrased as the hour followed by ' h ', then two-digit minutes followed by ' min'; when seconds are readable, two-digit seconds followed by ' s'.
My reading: 4 h 06 min
